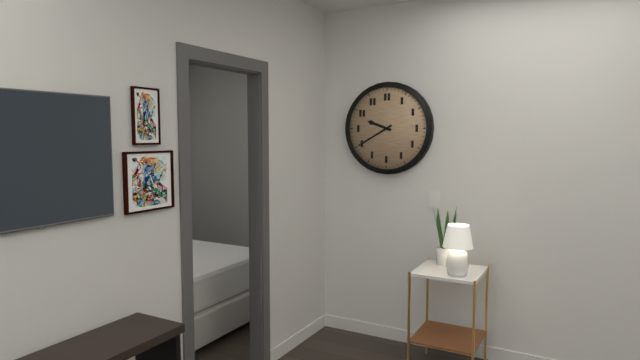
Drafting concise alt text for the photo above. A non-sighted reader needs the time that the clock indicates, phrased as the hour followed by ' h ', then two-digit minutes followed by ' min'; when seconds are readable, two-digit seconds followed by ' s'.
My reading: 9 h 40 min
